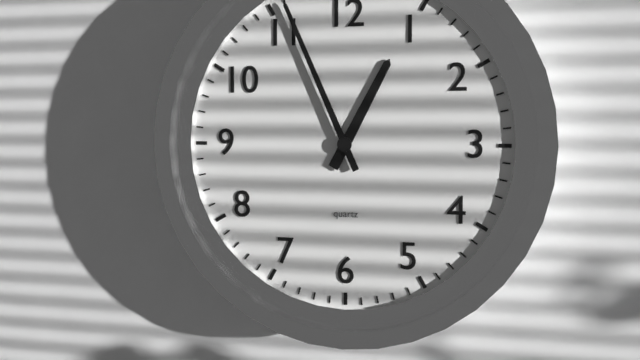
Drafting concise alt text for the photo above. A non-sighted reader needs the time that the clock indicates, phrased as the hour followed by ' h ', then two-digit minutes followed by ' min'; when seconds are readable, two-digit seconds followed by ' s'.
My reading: 12 h 56 min
